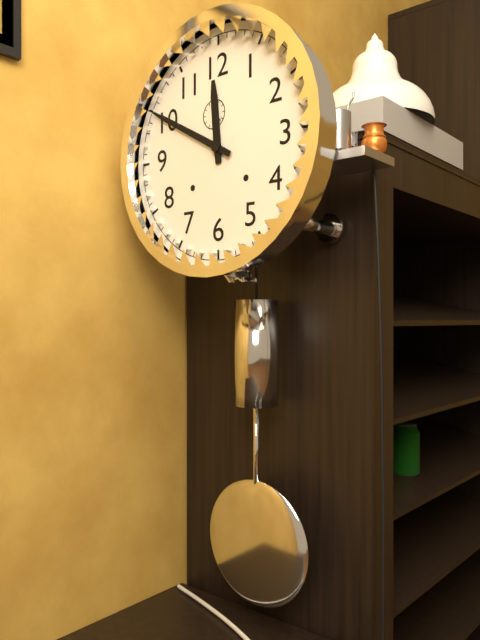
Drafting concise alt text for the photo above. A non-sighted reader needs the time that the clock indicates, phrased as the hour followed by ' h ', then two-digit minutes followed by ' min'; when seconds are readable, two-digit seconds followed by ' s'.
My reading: 11 h 50 min
